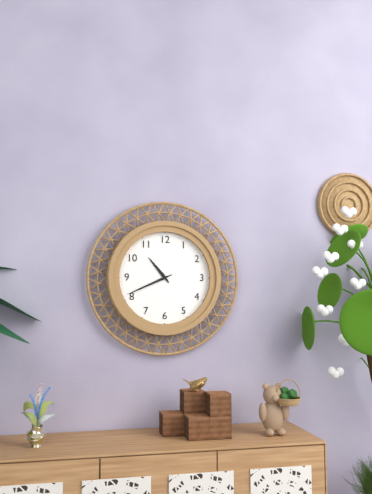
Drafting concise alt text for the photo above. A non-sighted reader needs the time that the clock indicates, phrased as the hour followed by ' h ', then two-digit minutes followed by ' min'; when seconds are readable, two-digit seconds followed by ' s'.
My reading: 10 h 41 min
